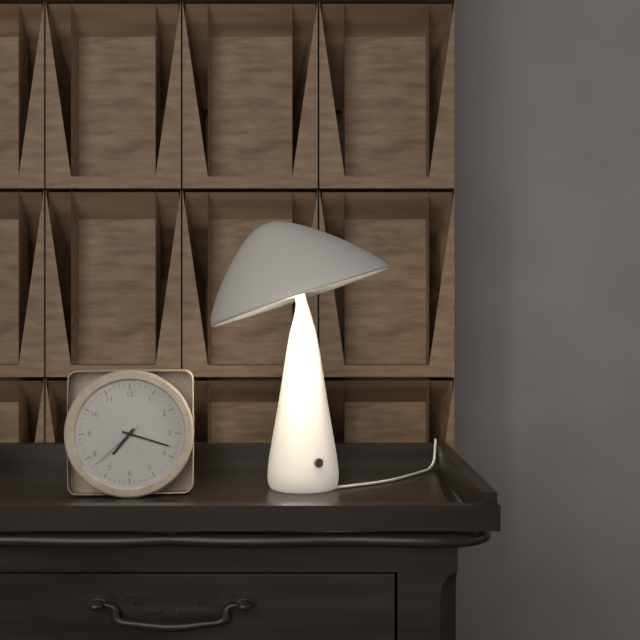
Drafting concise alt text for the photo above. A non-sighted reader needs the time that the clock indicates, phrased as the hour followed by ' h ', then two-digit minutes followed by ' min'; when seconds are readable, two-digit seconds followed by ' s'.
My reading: 7 h 18 min 38 s
